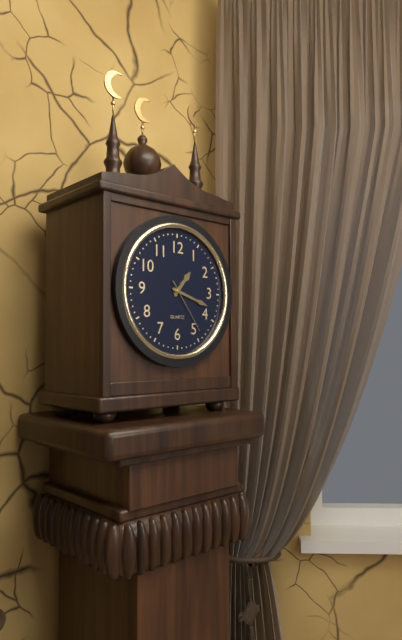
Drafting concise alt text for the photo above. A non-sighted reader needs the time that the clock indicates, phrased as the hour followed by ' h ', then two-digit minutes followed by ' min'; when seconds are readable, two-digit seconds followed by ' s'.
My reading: 1 h 18 min 24 s
